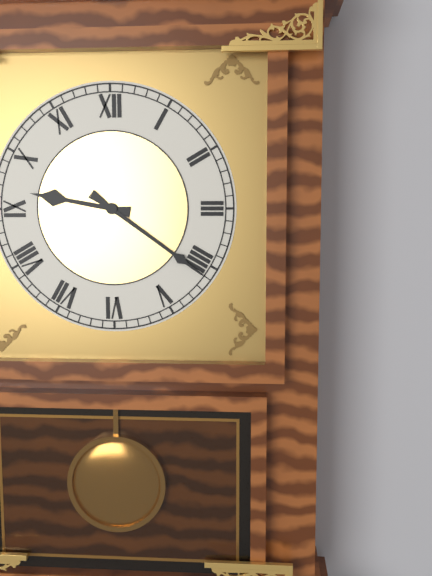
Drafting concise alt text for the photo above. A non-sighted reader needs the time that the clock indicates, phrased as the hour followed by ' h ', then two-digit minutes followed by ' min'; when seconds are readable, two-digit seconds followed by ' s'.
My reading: 9 h 21 min
